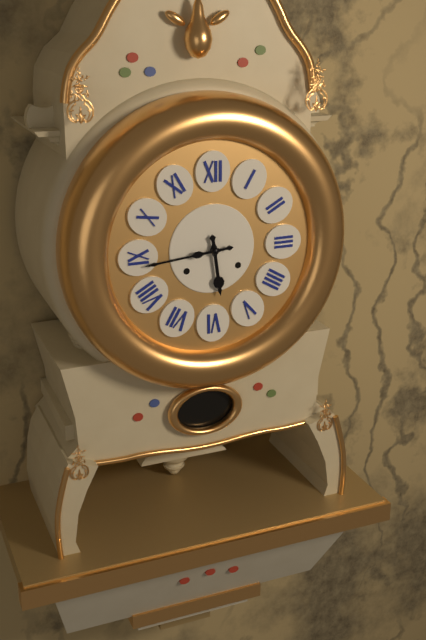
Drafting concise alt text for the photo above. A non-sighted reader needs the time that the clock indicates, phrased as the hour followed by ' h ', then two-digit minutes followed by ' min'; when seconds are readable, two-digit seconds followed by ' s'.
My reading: 5 h 44 min
